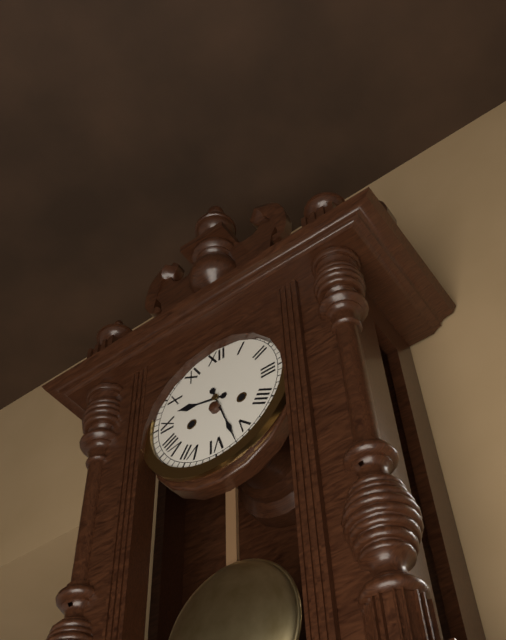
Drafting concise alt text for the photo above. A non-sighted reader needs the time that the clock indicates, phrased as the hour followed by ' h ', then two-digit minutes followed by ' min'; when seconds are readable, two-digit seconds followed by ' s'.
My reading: 9 h 27 min
